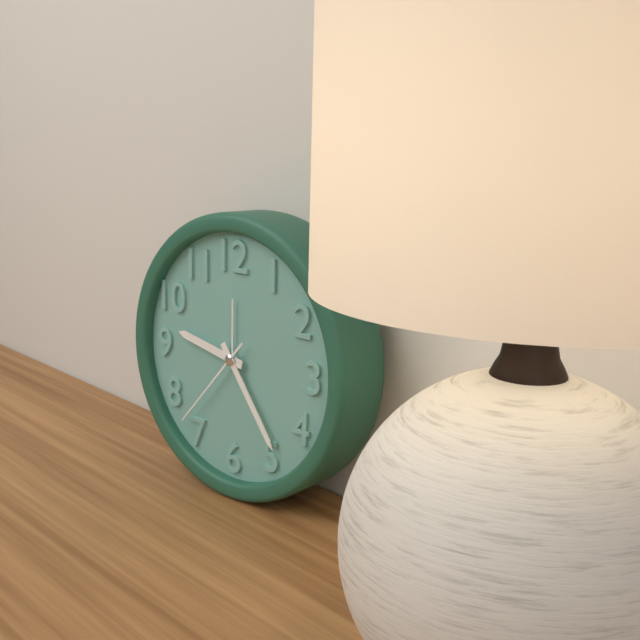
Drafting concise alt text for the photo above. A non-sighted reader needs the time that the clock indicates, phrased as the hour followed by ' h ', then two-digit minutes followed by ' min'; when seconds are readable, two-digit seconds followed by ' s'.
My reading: 9 h 24 min 37 s
